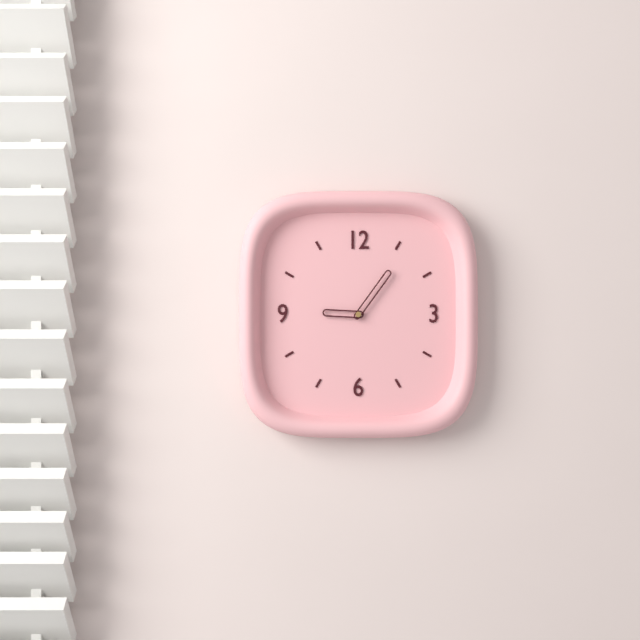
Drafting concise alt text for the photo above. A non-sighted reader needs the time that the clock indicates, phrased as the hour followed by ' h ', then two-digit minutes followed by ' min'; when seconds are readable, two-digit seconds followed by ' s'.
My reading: 9 h 06 min
